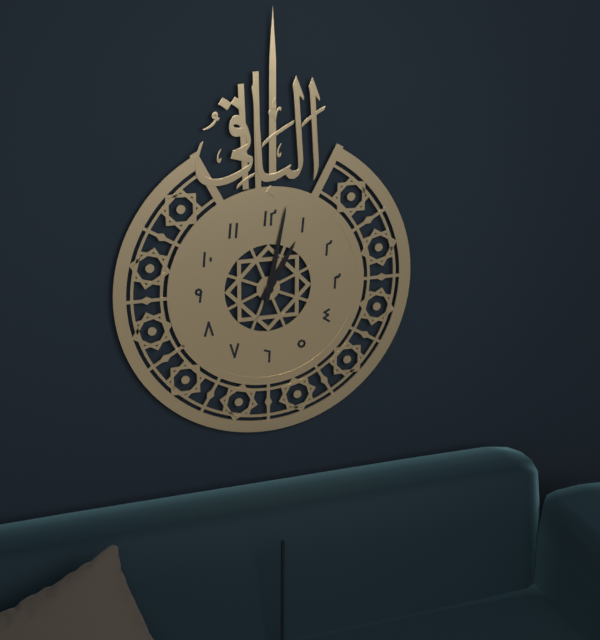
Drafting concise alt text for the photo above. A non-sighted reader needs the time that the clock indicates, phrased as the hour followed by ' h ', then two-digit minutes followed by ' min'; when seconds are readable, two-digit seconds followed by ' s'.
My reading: 1 h 02 min
